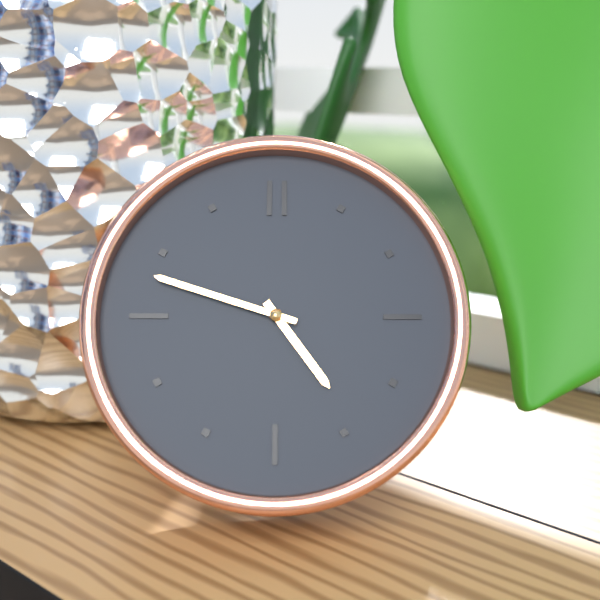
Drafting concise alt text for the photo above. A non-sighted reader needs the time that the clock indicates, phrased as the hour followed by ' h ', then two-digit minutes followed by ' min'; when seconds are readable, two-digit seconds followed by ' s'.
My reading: 4 h 48 min
